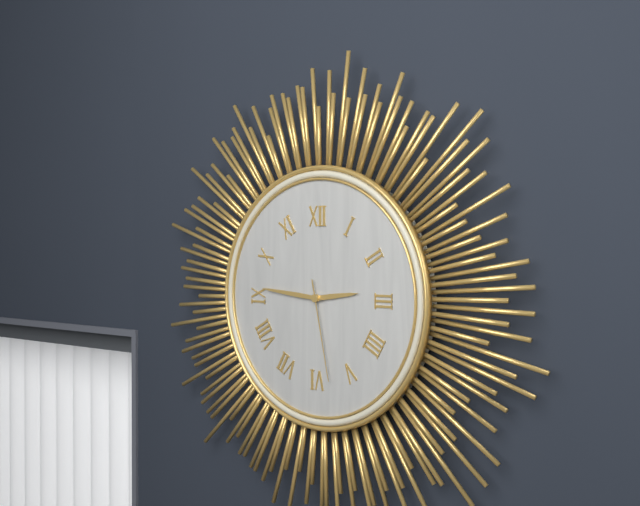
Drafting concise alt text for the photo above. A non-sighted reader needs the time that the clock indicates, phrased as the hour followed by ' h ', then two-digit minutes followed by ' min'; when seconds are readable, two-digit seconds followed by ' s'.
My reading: 2 h 46 min 28 s
